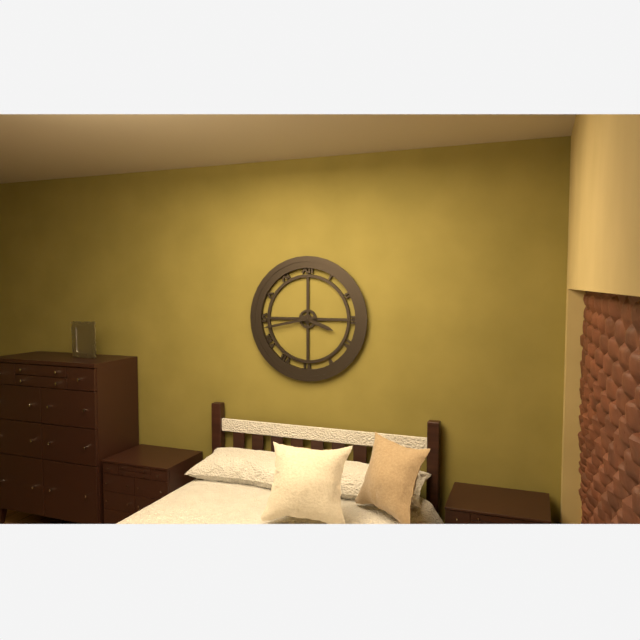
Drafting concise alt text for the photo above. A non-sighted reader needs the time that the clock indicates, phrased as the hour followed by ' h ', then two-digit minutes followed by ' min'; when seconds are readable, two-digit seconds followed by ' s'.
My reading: 3 h 43 min
